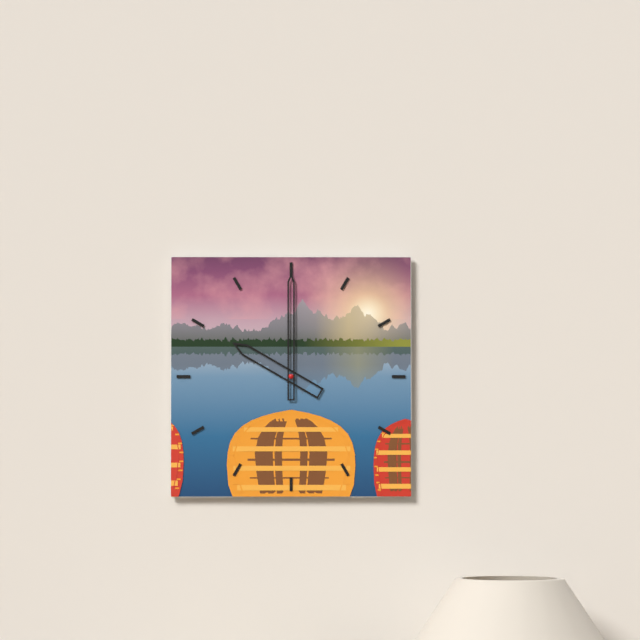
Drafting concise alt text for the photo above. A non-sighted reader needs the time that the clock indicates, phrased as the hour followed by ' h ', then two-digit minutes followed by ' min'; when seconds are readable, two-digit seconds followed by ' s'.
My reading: 10 h 00 min
